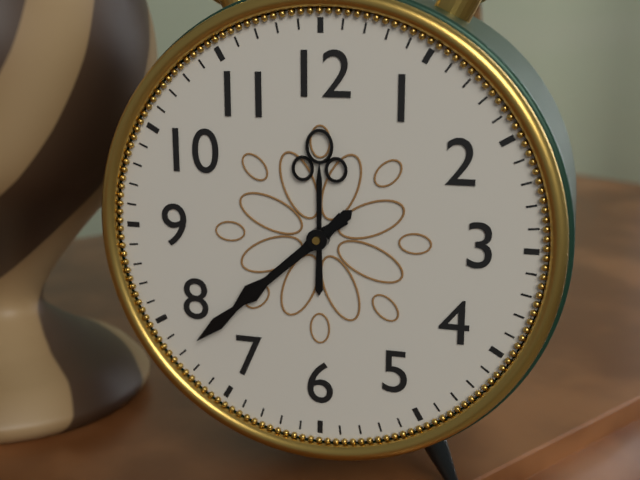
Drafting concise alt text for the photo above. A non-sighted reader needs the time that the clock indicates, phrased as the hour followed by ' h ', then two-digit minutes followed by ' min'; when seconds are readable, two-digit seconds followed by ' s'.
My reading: 7 h 38 min
